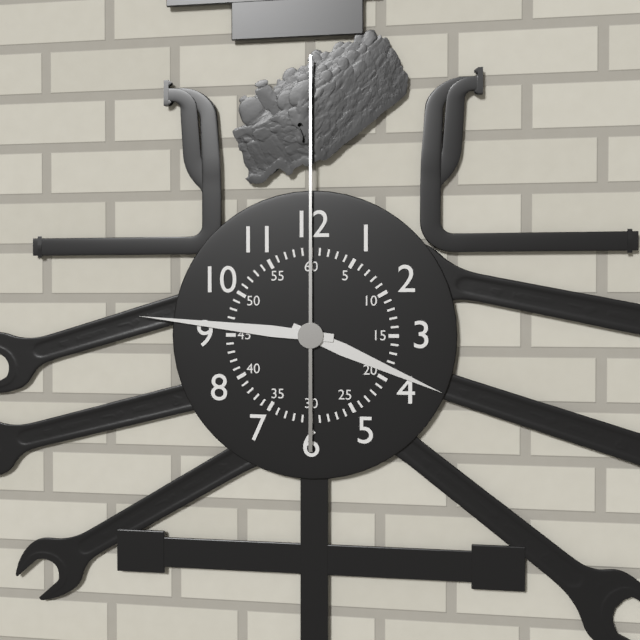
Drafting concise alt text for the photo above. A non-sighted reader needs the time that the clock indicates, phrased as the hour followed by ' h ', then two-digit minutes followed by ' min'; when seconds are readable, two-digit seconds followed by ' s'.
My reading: 3 h 46 min 00 s
